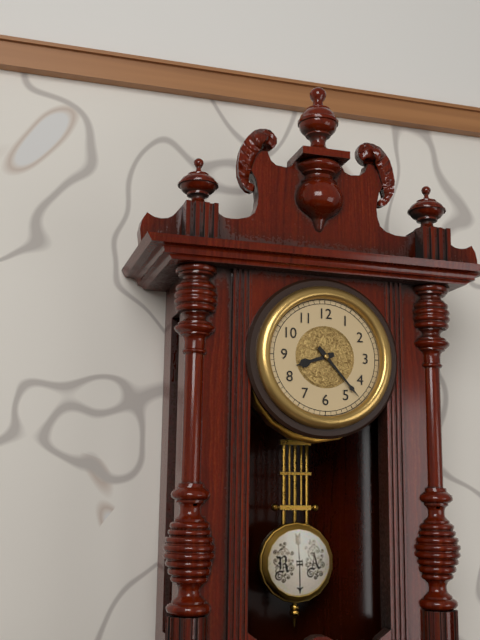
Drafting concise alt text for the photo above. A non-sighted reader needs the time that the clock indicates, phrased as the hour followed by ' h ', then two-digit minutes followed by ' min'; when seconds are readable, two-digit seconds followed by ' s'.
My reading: 8 h 23 min
